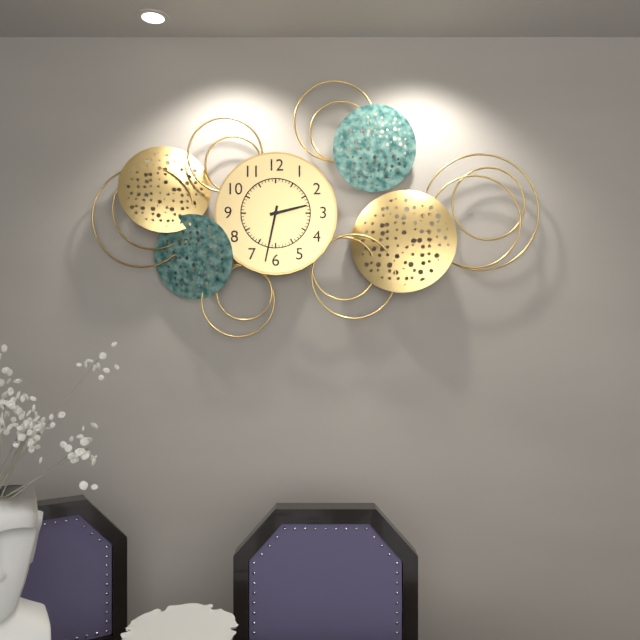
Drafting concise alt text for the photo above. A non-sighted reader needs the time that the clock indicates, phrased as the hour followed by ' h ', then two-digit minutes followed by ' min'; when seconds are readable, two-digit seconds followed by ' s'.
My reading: 2 h 32 min
